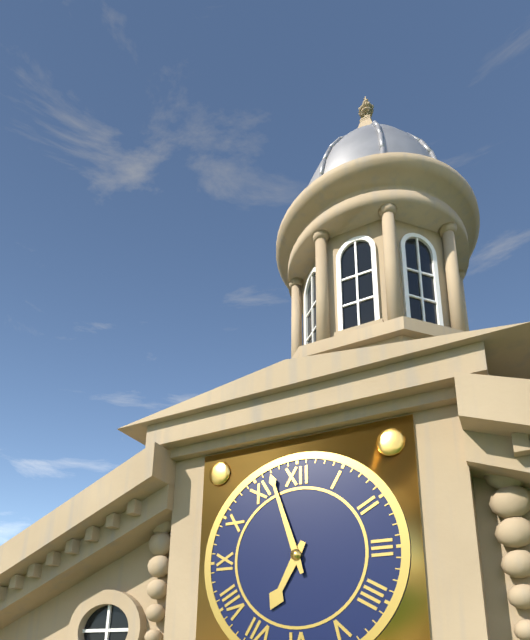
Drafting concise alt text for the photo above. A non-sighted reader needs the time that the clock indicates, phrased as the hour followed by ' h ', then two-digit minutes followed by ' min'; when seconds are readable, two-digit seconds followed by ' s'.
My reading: 6 h 57 min
